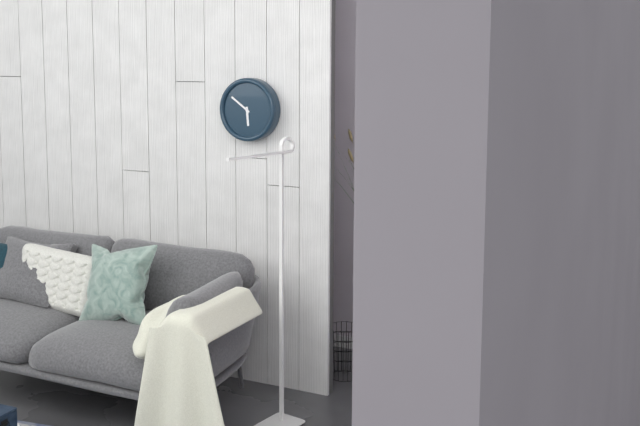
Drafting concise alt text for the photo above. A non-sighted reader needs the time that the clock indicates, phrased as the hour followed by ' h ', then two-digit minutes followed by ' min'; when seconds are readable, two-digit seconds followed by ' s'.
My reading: 5 h 51 min
